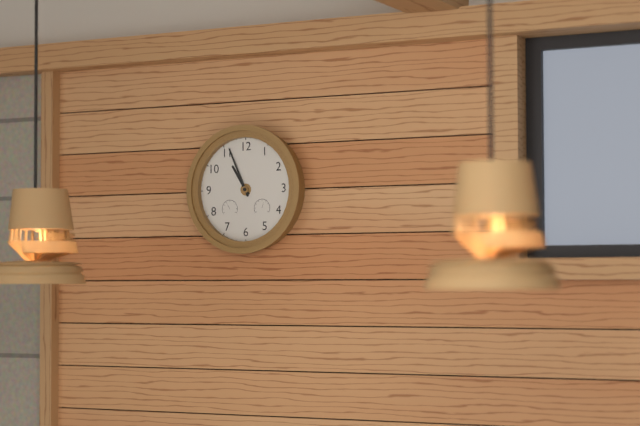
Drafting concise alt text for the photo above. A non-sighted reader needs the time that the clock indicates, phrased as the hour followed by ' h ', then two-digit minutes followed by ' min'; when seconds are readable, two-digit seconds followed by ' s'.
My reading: 10 h 56 min
